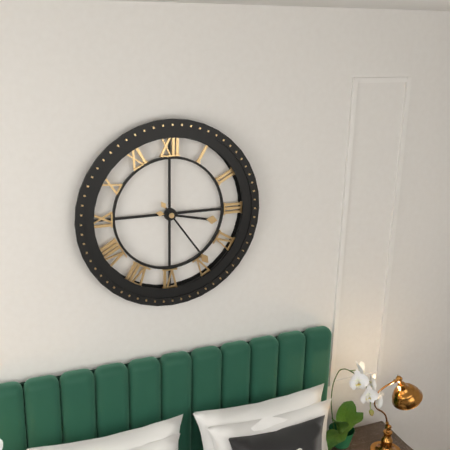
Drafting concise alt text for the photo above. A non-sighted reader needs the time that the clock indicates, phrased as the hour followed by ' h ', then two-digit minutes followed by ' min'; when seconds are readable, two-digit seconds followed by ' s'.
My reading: 3 h 24 min
